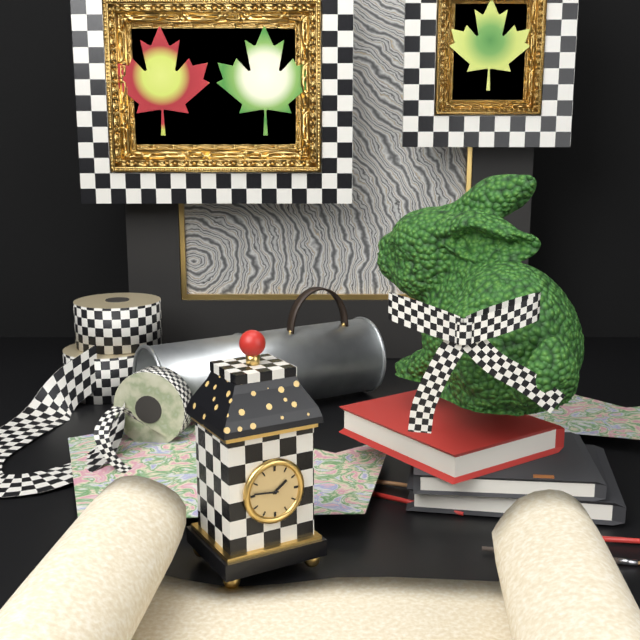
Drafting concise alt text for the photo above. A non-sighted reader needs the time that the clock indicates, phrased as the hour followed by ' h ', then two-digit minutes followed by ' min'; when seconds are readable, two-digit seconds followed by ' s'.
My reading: 1 h 46 min
